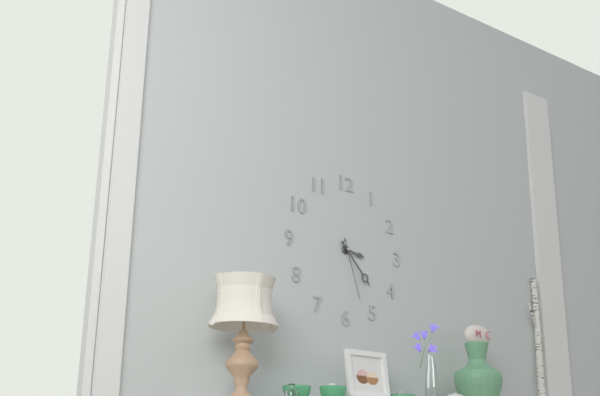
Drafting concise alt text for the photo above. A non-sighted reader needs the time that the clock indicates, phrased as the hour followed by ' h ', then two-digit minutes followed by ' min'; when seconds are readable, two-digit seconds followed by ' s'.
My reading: 3 h 23 min 27 s
